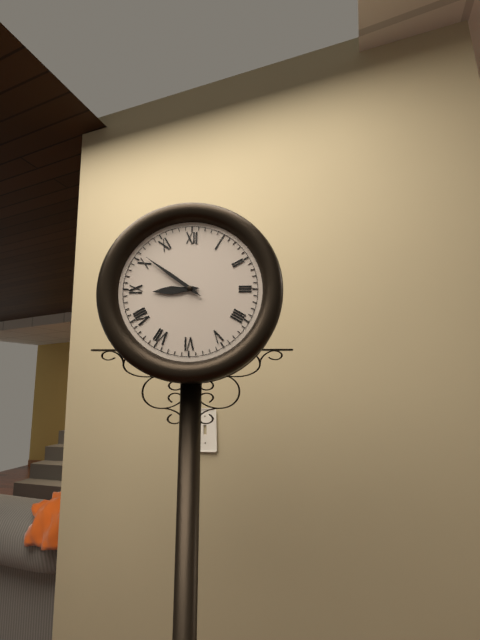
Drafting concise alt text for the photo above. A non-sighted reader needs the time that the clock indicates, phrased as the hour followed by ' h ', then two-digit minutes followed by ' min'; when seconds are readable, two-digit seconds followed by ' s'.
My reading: 8 h 51 min
